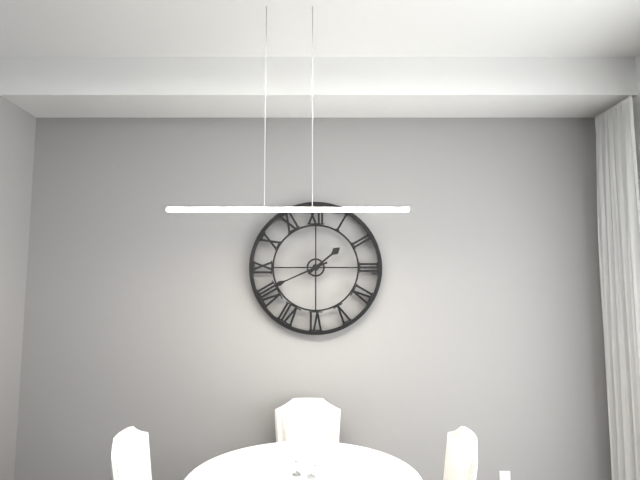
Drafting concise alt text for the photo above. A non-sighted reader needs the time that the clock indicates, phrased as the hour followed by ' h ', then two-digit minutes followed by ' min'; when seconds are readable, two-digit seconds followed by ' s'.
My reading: 1 h 41 min
